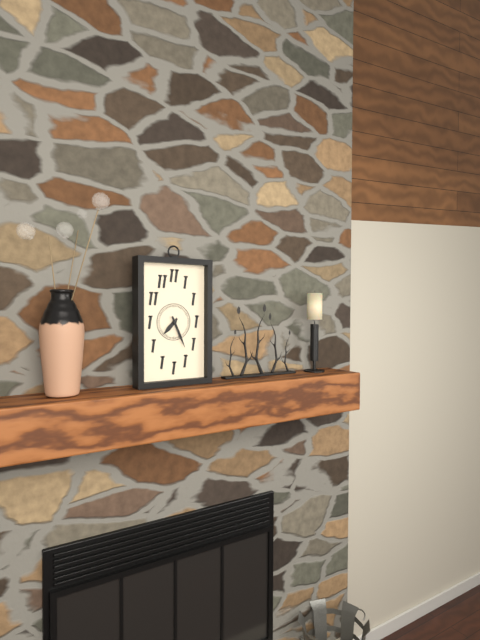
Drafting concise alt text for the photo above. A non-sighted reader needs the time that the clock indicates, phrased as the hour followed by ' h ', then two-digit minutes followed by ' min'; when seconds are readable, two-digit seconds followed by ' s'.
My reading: 7 h 26 min
